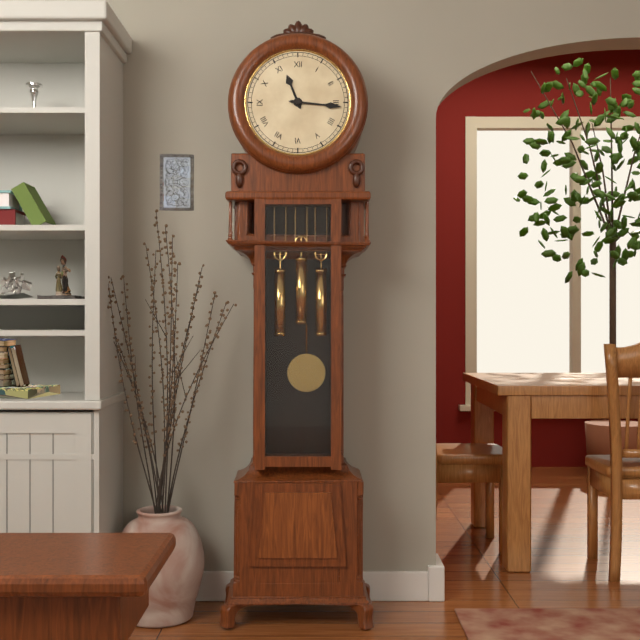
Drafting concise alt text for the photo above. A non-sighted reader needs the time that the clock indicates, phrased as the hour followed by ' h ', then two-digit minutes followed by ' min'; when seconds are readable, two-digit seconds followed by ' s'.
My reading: 11 h 16 min
